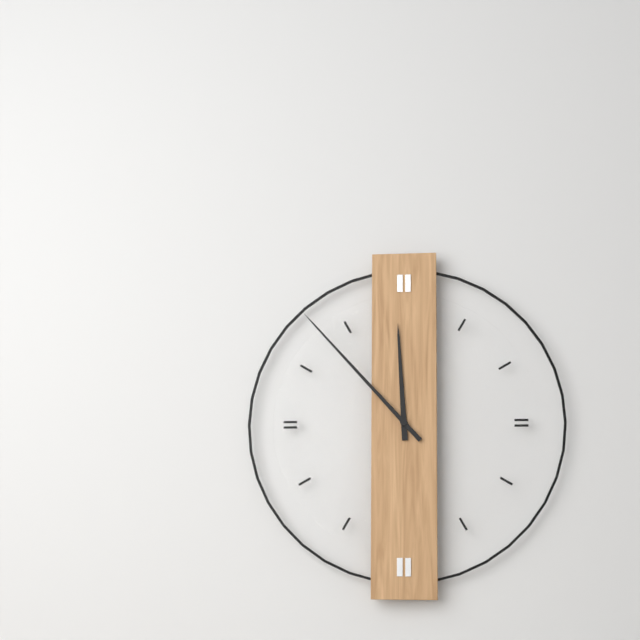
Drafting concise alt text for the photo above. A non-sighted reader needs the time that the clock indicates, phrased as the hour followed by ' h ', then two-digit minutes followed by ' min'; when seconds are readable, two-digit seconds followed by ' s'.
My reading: 11 h 53 min
